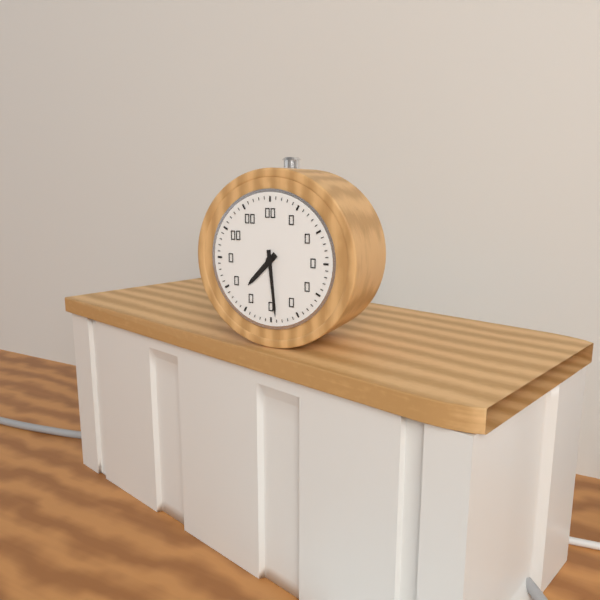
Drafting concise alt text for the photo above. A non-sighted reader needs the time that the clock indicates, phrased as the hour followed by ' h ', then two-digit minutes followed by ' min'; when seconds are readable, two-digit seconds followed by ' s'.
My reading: 7 h 29 min
